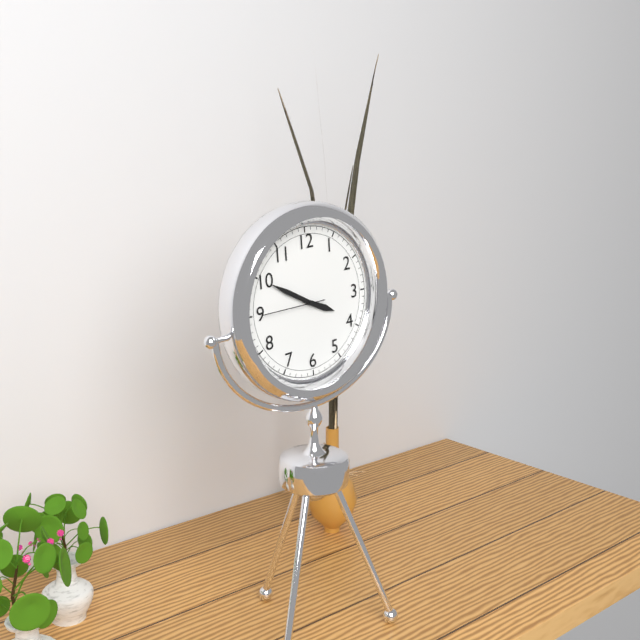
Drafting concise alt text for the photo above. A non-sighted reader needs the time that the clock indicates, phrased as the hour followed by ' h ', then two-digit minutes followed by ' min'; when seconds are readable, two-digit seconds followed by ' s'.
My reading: 3 h 50 min 45 s
